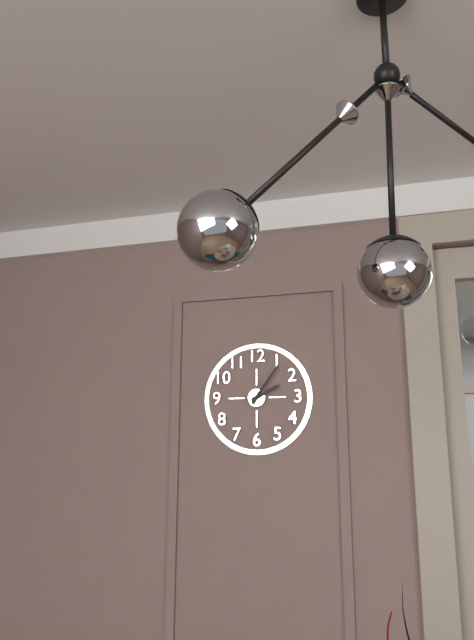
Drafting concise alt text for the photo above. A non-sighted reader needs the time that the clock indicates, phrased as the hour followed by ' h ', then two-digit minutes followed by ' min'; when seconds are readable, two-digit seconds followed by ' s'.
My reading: 2 h 06 min
